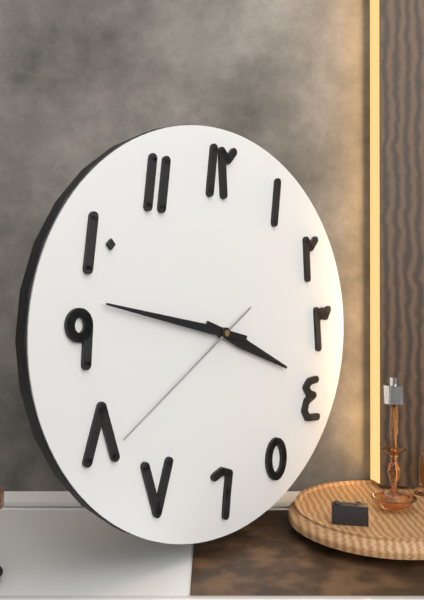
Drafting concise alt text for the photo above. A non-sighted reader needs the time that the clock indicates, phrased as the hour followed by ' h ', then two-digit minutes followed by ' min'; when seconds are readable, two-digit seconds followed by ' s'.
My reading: 3 h 47 min 39 s
